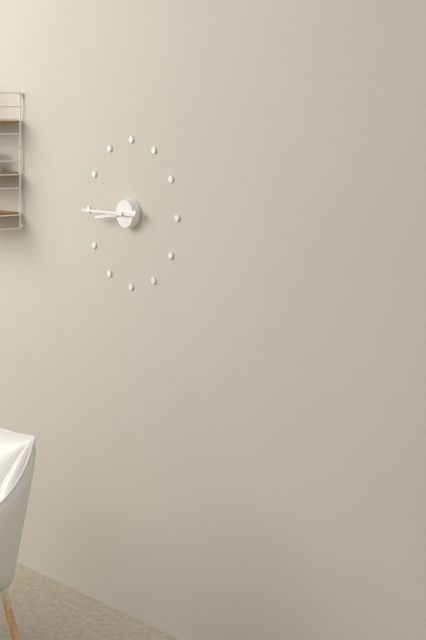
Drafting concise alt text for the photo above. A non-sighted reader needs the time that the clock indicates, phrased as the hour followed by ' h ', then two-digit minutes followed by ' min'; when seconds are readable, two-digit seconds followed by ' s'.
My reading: 8 h 45 min
